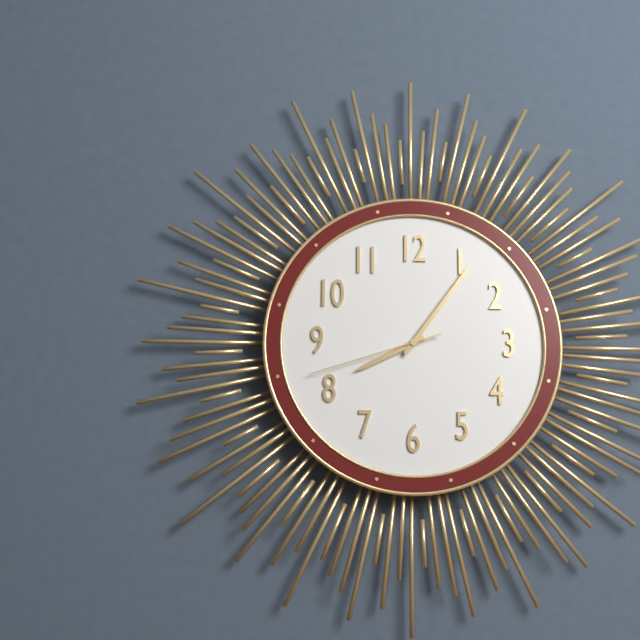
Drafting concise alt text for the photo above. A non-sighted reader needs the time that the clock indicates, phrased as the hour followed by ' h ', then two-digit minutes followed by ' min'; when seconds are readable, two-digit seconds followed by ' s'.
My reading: 8 h 06 min 42 s
